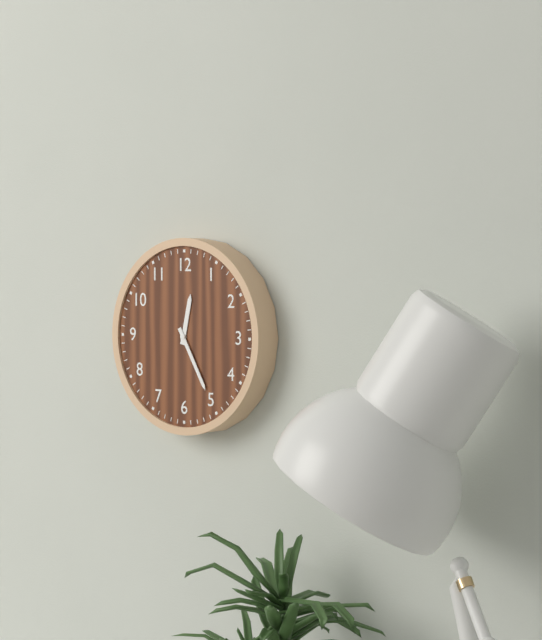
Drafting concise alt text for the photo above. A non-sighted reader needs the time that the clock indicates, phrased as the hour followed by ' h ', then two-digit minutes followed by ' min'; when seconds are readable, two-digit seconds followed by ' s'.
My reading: 12 h 25 min
